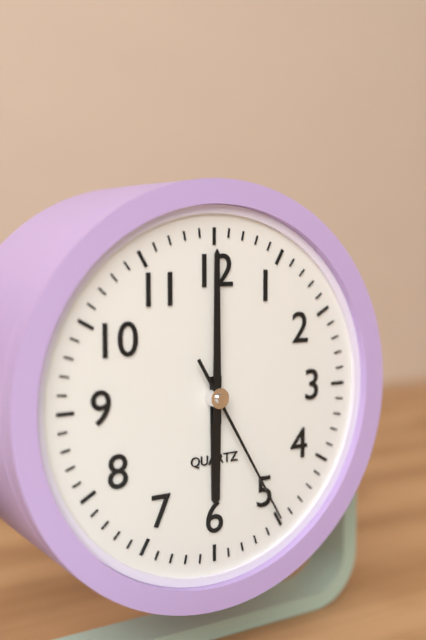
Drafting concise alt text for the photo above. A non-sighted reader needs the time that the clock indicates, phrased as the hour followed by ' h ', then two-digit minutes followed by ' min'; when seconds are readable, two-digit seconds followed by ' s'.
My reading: 6 h 00 min 25 s
